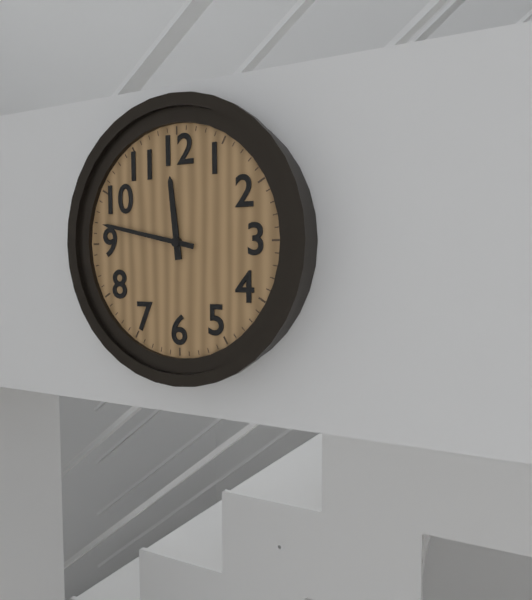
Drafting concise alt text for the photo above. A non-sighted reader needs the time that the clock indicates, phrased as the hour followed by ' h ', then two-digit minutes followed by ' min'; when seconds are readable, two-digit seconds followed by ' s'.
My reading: 11 h 47 min
